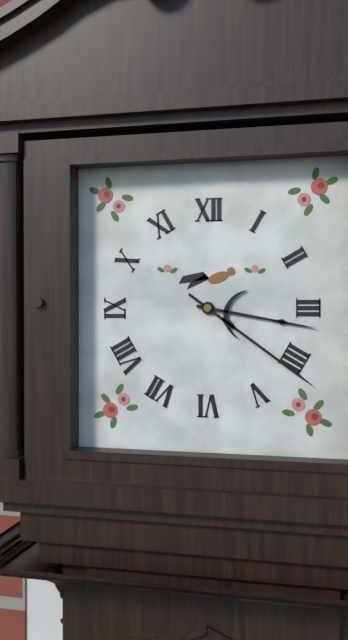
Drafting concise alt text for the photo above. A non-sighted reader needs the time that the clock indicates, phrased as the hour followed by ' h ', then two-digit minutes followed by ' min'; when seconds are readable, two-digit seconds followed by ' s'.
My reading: 3 h 21 min
